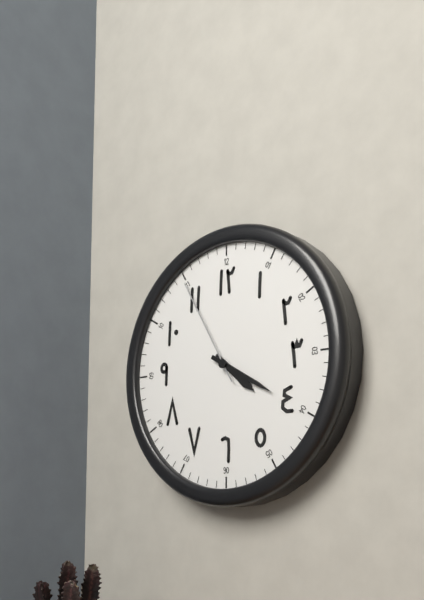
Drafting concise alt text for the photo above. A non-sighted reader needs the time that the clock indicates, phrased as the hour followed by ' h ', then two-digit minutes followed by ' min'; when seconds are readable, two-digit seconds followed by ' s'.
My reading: 4 h 20 min 55 s
